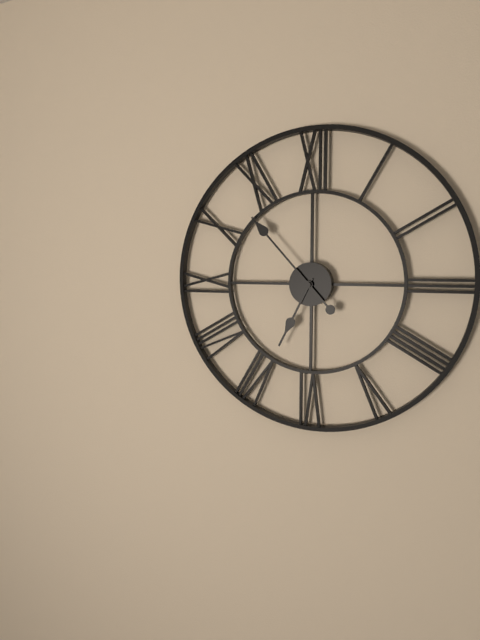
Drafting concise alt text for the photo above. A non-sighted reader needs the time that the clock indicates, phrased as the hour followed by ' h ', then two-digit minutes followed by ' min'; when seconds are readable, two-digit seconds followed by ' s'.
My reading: 6 h 53 min
